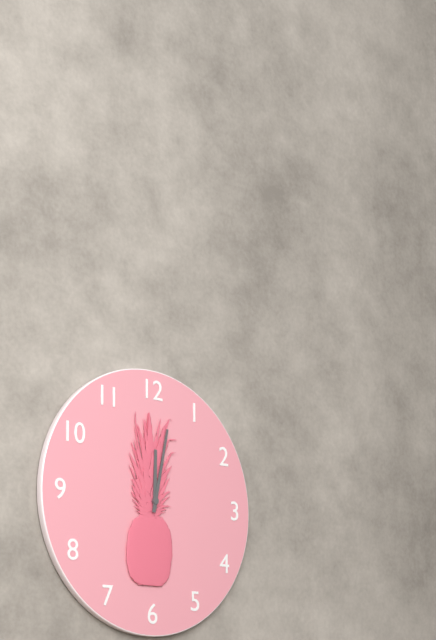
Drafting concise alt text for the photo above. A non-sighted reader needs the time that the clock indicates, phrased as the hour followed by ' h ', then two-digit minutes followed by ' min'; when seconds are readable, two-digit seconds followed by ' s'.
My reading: 12 h 02 min
